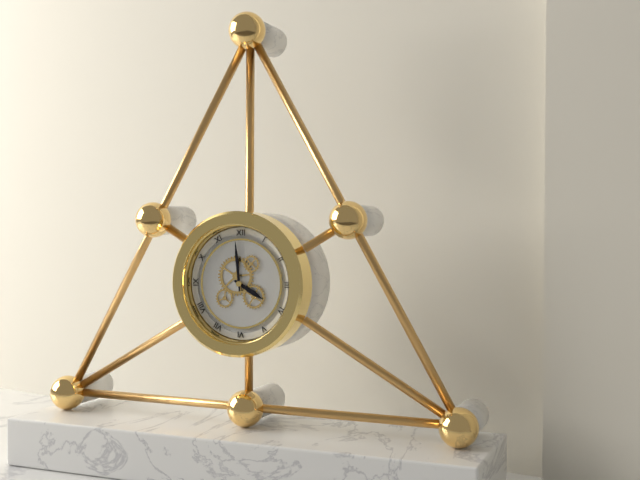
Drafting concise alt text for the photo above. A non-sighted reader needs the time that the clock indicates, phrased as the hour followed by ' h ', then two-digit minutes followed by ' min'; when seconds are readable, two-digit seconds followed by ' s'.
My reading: 3 h 59 min
